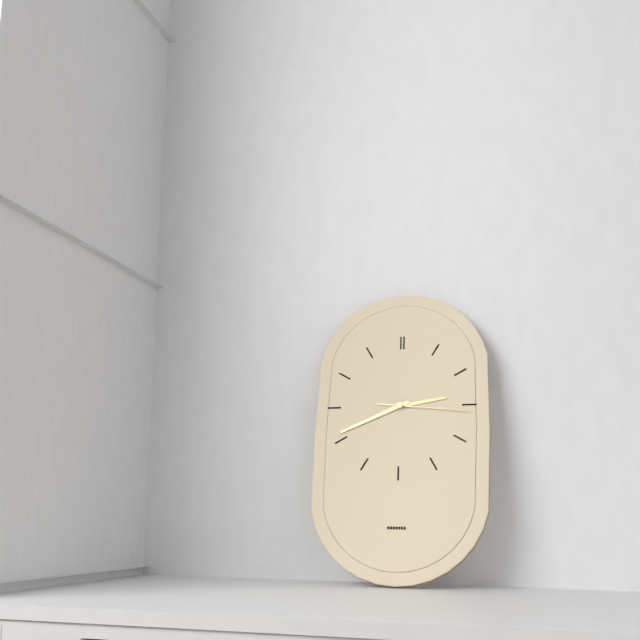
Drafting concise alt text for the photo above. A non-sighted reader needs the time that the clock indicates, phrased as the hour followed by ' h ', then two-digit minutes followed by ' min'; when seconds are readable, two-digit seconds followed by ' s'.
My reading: 2 h 41 min 16 s
